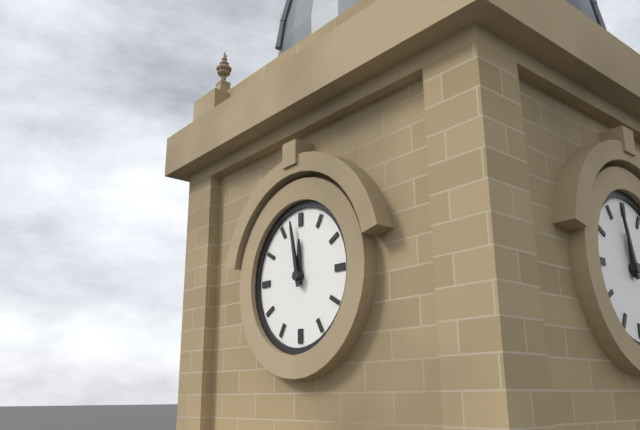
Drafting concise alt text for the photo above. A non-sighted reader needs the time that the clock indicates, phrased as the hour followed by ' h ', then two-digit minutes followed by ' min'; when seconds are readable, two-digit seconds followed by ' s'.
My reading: 11 h 58 min
